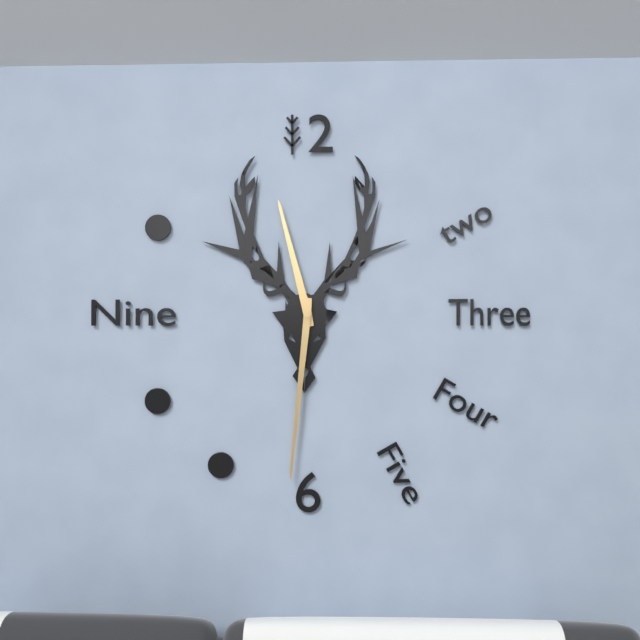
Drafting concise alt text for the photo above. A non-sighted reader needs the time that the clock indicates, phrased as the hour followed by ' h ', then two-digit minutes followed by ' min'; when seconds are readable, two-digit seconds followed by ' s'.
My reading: 11 h 31 min
